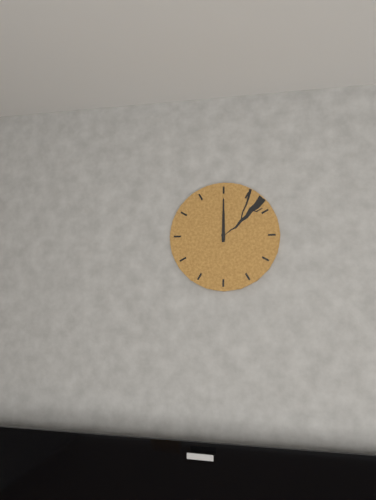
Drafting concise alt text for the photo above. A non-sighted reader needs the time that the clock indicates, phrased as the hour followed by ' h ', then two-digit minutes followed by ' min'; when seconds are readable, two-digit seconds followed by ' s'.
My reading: 12 h 00 min
